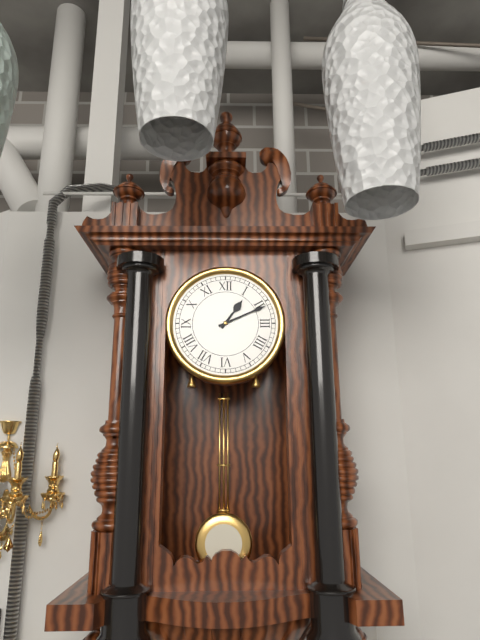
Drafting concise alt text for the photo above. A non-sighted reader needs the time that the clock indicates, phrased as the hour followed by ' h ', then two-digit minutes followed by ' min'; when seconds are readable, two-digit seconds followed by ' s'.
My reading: 1 h 11 min
